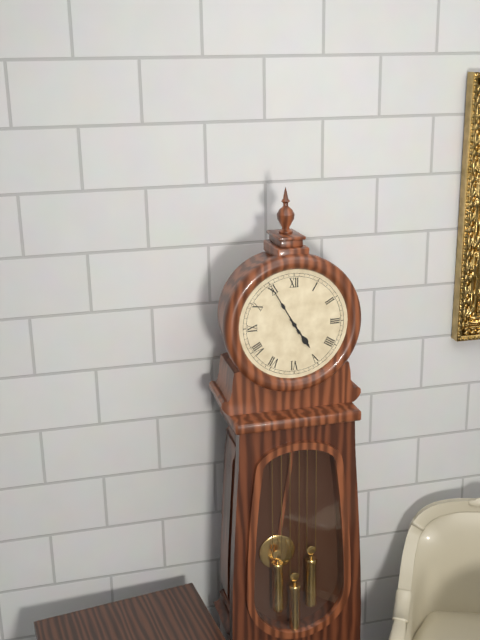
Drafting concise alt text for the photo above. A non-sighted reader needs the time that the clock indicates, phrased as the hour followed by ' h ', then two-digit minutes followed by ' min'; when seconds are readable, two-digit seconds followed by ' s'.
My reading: 4 h 55 min
